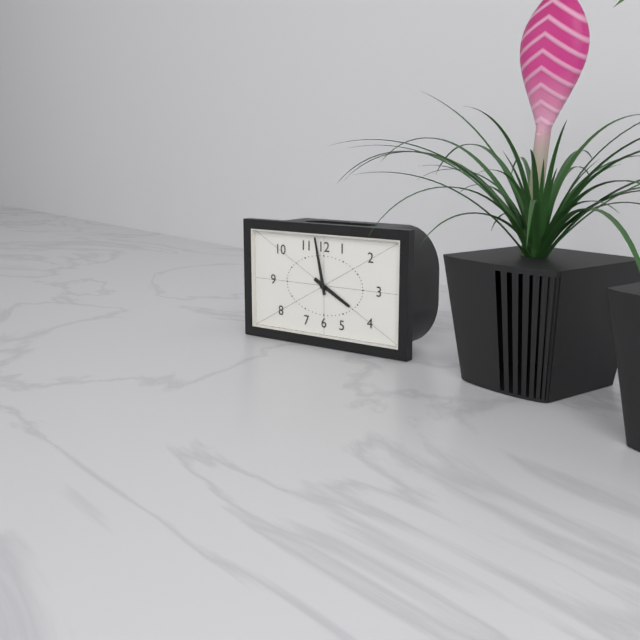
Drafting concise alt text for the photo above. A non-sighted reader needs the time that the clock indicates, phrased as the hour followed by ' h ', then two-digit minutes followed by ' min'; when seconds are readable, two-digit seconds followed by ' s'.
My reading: 3 h 58 min
